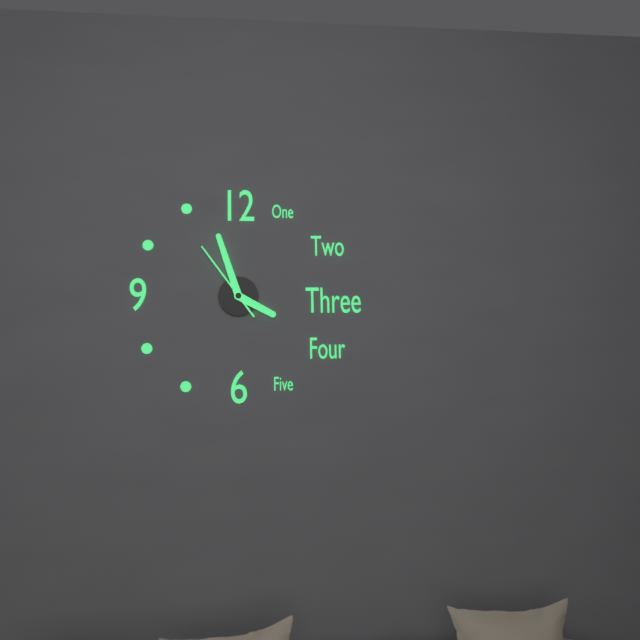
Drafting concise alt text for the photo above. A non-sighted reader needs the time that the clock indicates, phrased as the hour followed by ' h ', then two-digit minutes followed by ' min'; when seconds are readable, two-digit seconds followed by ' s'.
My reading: 3 h 57 min 54 s
